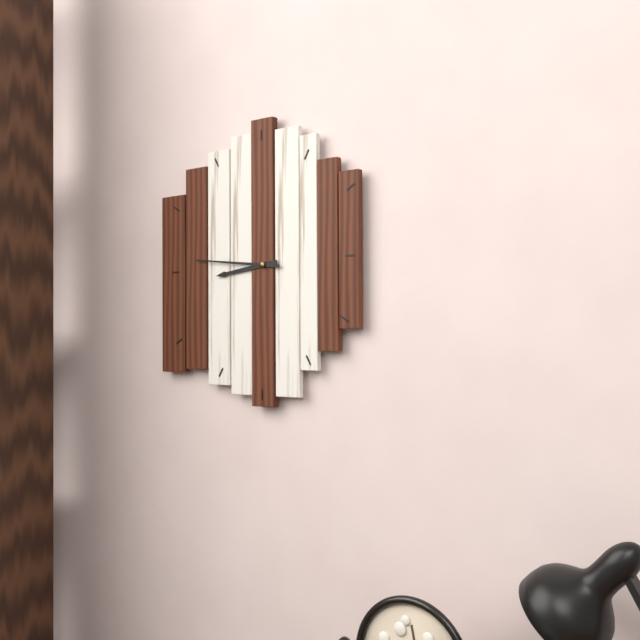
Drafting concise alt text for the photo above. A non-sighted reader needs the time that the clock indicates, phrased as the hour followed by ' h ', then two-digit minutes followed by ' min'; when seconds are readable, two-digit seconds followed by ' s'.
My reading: 8 h 46 min
